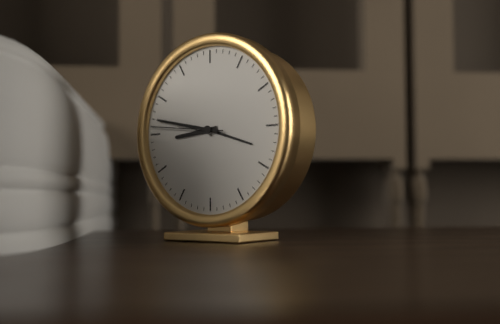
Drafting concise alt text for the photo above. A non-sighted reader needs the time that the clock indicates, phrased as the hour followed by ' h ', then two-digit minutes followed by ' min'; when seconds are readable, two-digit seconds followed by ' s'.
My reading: 8 h 47 min 46 s
